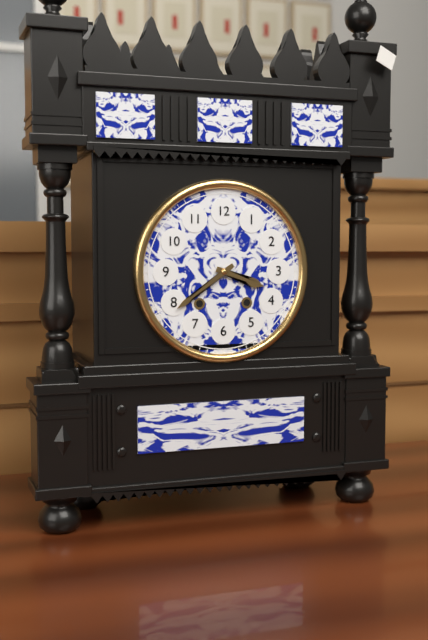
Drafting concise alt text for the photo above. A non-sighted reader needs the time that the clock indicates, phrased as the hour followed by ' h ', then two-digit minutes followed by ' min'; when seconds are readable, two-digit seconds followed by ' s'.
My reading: 3 h 39 min
